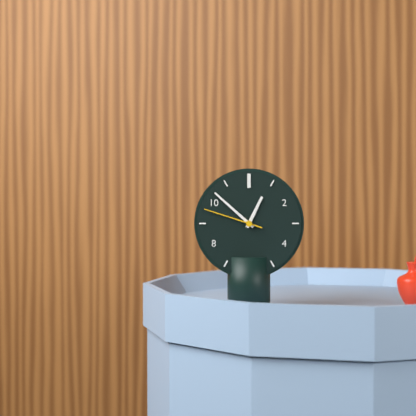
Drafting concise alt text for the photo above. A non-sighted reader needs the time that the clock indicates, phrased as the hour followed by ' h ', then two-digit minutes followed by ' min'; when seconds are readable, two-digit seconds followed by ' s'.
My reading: 12 h 52 min 48 s
